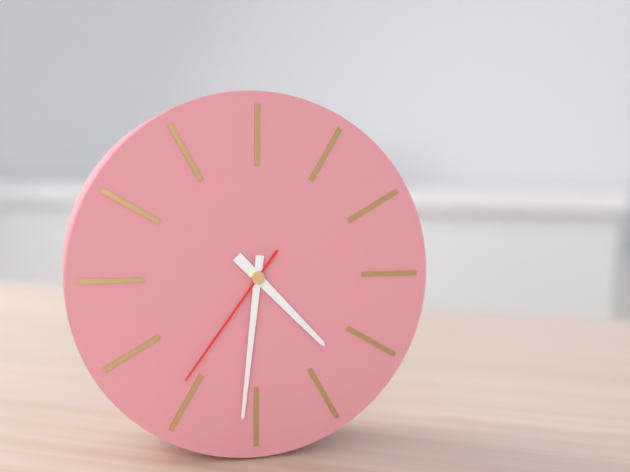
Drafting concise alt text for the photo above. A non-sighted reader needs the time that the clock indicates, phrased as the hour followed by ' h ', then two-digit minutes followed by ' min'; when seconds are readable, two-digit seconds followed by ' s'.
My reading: 4 h 31 min 36 s
